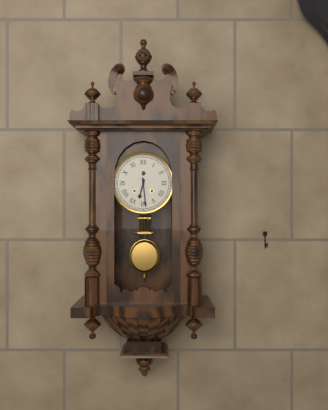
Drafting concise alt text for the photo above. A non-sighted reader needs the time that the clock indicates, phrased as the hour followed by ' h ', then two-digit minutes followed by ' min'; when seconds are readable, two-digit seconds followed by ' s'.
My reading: 6 h 29 min
